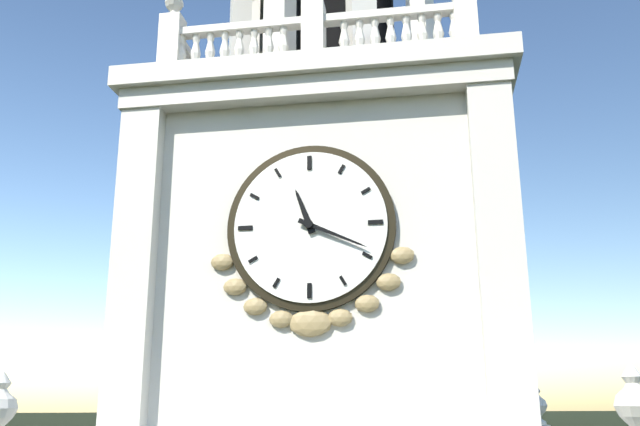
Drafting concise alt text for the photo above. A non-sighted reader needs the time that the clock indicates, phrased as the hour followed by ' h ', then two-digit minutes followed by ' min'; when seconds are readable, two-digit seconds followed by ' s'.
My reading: 11 h 19 min
